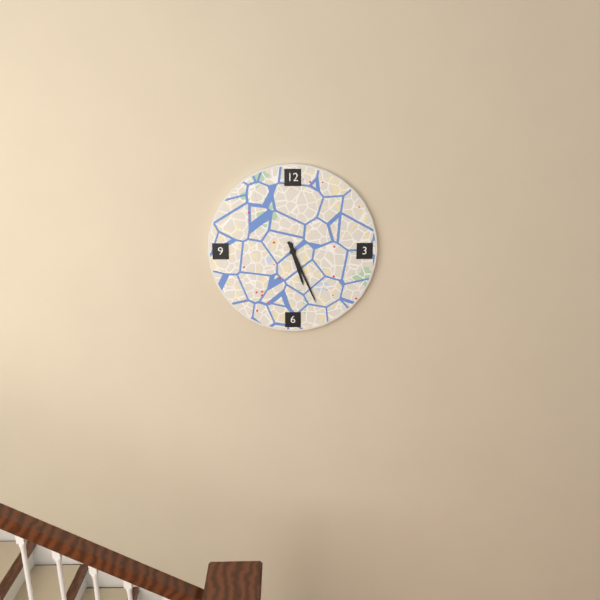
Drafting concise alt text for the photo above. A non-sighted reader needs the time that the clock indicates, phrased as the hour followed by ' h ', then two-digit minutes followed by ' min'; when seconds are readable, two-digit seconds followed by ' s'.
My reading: 5 h 26 min
